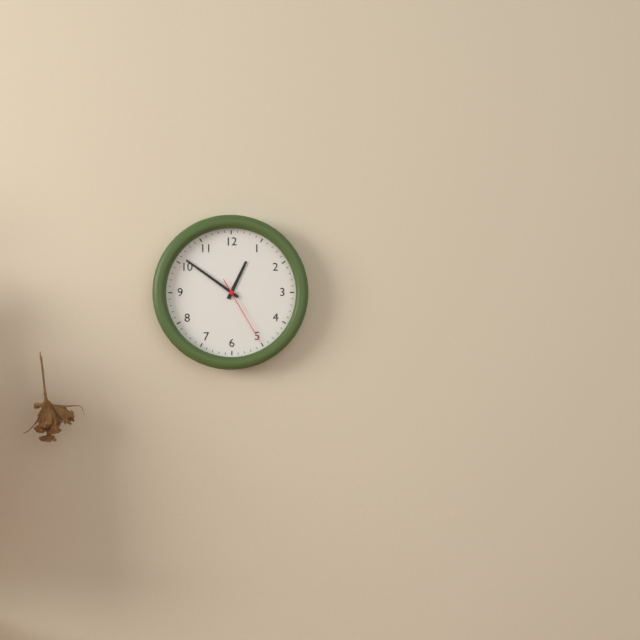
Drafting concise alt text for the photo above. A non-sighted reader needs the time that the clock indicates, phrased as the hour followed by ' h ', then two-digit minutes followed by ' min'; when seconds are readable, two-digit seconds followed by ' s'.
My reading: 12 h 51 min 25 s
